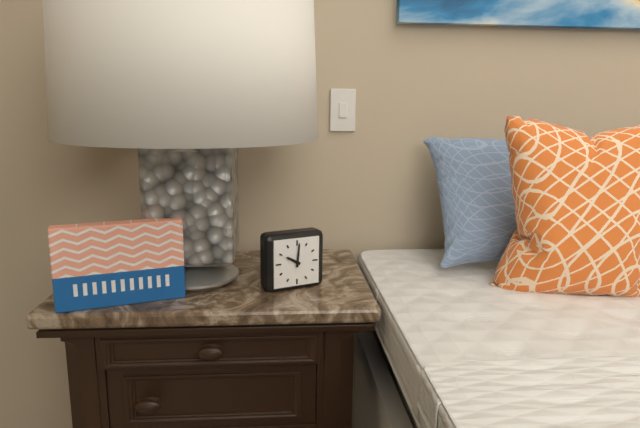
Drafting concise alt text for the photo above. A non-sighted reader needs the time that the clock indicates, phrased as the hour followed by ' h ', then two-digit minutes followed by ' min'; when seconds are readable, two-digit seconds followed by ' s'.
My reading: 10 h 01 min
